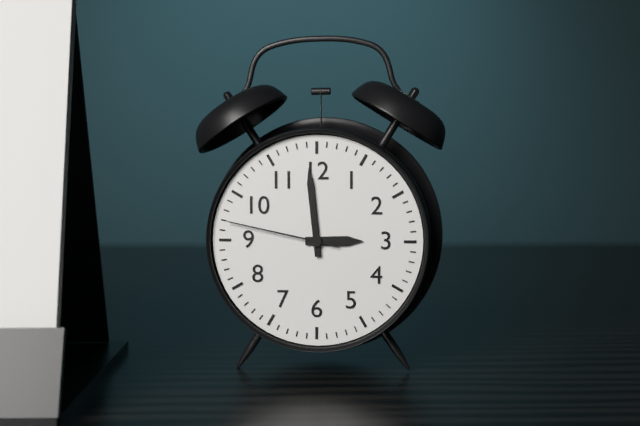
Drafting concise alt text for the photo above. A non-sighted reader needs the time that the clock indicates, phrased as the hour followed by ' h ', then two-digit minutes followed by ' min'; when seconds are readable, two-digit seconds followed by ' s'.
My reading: 2 h 59 min 47 s
